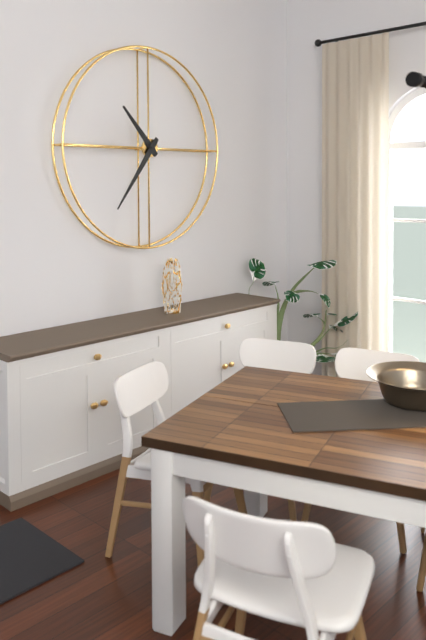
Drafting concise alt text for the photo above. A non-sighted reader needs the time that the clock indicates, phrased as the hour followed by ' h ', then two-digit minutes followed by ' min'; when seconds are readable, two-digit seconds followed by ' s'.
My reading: 10 h 36 min
